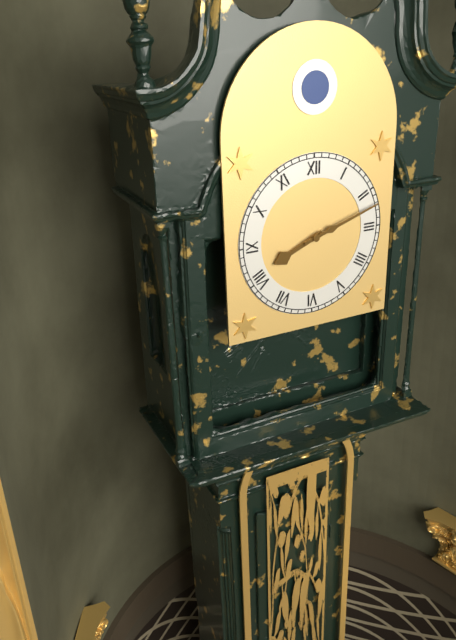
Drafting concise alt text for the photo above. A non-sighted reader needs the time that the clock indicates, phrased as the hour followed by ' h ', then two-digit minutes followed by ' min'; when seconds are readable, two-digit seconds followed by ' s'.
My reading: 8 h 12 min
